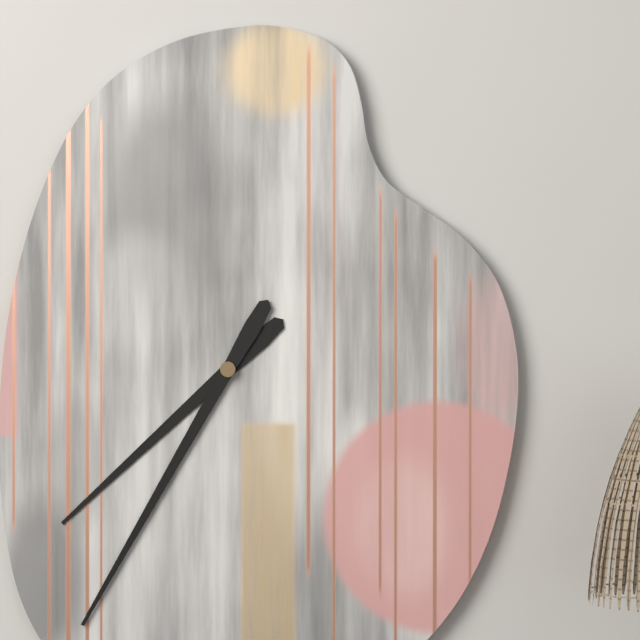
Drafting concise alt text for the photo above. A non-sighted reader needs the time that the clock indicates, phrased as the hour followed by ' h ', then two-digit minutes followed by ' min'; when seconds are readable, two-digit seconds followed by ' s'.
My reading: 7 h 35 min
